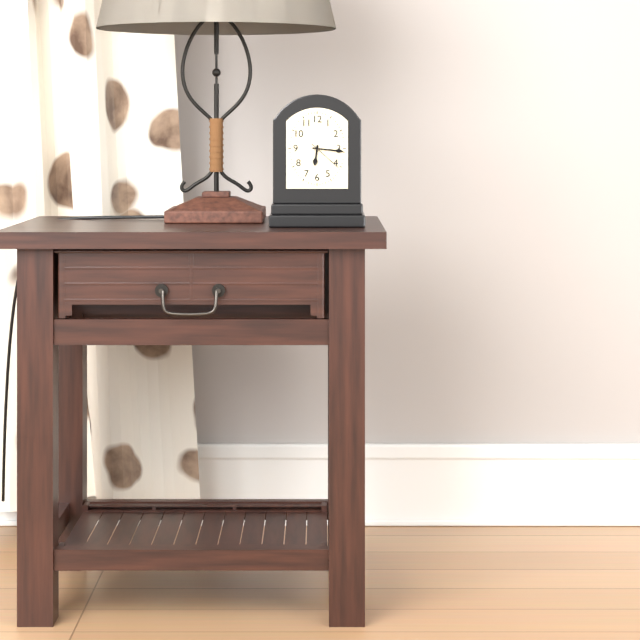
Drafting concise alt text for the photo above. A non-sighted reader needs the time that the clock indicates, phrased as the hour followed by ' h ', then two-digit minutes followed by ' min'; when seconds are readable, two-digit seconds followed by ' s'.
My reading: 6 h 16 min
